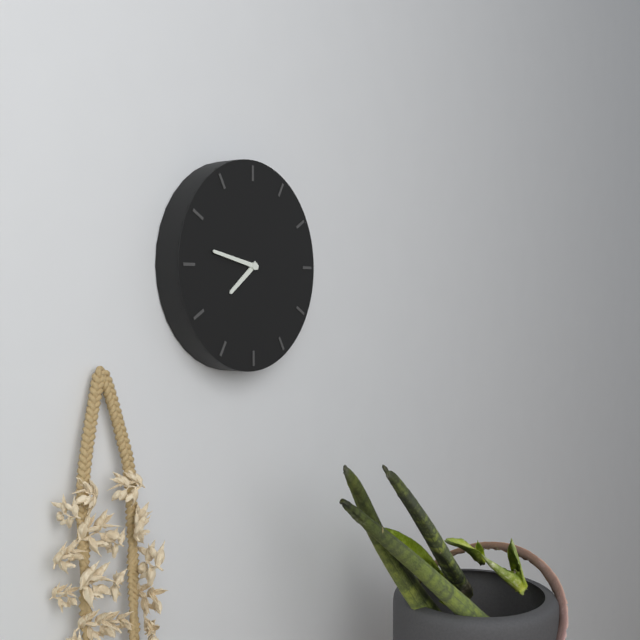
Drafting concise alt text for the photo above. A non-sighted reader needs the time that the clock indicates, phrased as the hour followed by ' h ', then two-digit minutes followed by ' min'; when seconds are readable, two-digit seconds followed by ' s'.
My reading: 7 h 47 min
